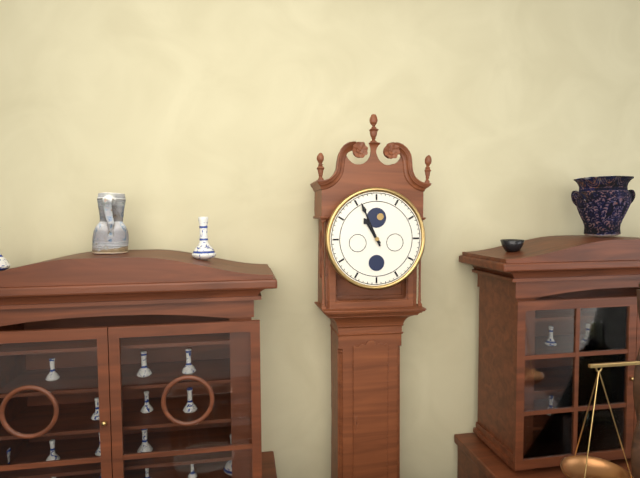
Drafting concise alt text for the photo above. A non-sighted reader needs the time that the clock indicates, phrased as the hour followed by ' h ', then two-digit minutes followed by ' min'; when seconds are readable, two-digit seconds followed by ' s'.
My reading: 10 h 56 min
